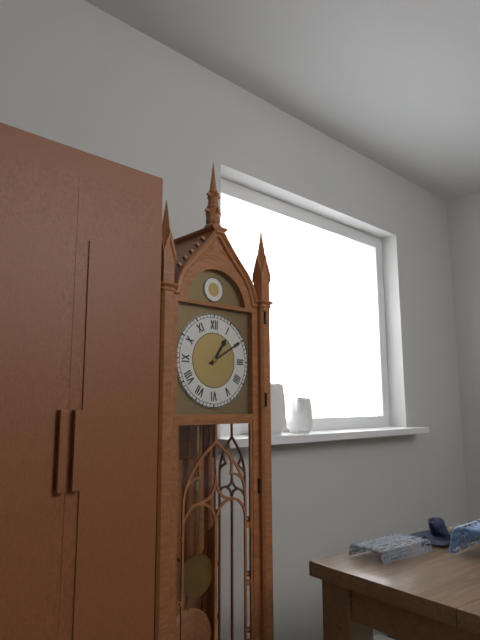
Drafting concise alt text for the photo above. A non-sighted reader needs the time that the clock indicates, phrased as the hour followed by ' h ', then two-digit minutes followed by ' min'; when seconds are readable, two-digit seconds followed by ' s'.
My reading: 1 h 10 min
